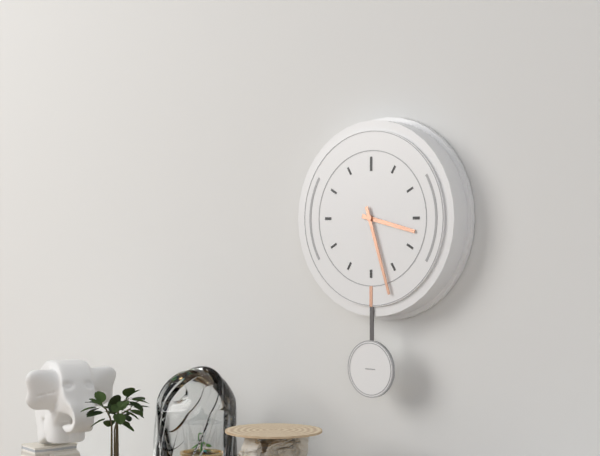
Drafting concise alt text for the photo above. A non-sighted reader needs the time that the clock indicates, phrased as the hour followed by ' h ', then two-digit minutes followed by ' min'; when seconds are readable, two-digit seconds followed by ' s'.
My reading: 3 h 27 min
